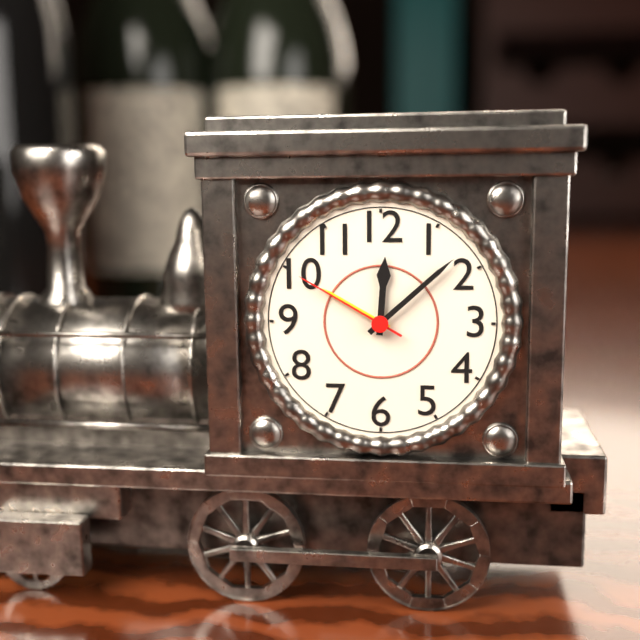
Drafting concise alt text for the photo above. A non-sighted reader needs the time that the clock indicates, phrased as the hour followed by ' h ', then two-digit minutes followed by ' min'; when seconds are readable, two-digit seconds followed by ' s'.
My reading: 12 h 08 min 50 s
